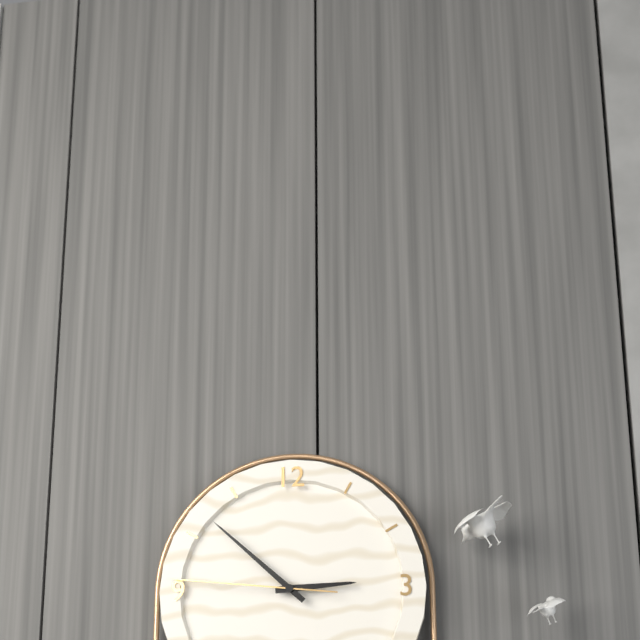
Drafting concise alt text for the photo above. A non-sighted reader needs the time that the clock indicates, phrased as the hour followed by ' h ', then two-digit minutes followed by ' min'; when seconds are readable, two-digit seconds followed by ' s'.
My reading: 2 h 52 min 46 s
